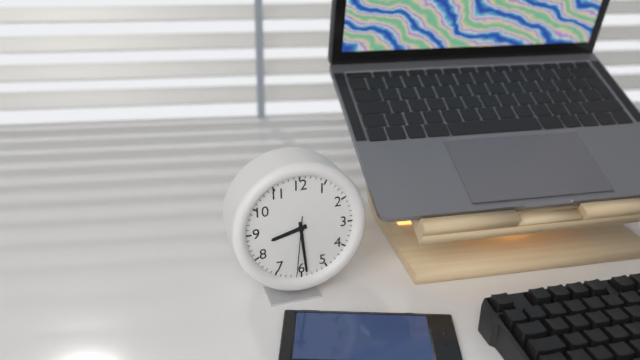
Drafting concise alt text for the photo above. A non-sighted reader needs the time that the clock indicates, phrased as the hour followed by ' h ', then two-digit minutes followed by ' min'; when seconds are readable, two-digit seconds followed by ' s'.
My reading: 8 h 29 min 31 s
